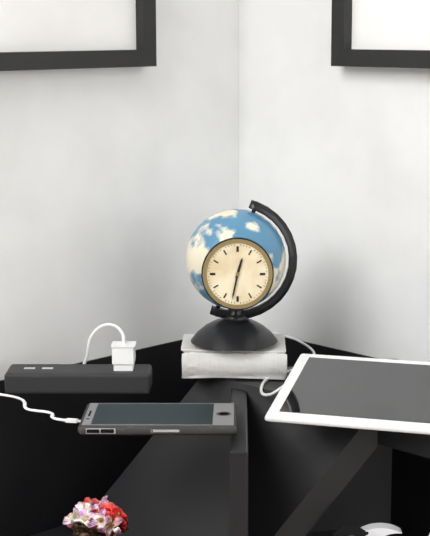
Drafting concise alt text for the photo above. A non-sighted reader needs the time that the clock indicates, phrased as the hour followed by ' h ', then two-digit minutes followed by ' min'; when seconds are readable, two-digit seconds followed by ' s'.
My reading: 12 h 32 min
